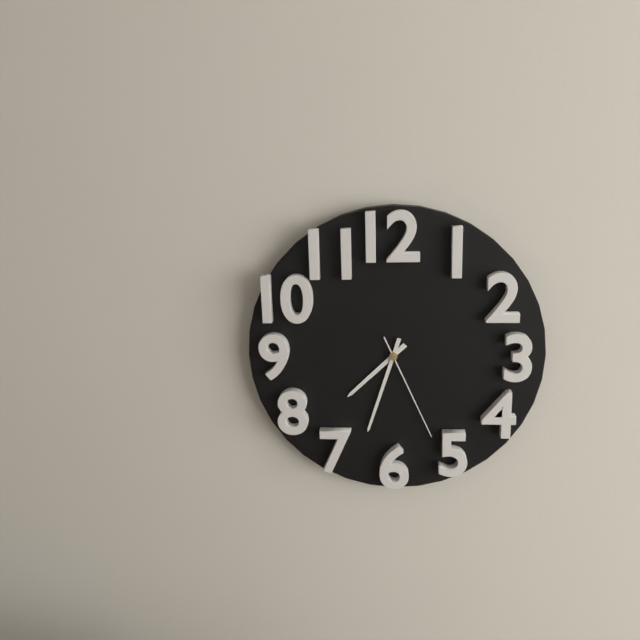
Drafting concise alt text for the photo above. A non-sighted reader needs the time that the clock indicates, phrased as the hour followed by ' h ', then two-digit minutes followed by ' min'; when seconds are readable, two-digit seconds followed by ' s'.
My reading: 7 h 33 min 26 s
